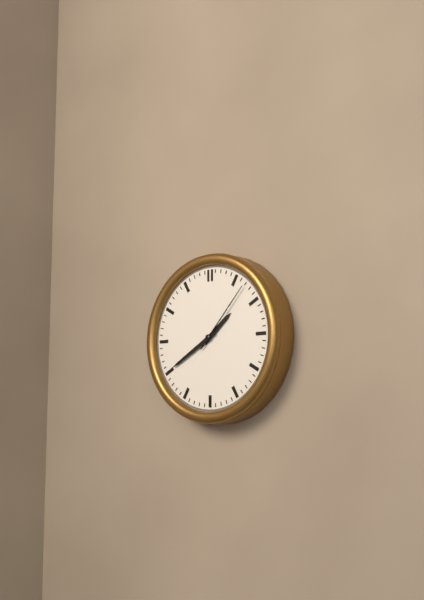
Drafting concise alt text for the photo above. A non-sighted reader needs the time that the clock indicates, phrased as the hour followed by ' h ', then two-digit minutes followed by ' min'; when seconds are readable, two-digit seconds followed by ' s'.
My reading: 1 h 40 min 07 s
